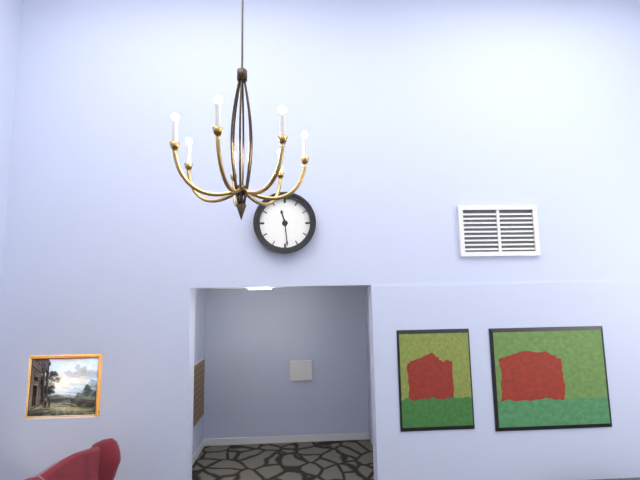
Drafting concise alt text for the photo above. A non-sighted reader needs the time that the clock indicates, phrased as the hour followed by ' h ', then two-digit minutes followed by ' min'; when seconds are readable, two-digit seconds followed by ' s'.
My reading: 11 h 29 min
